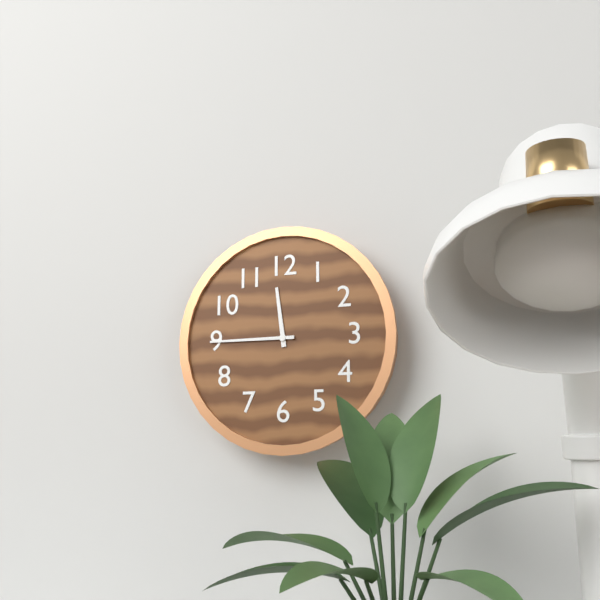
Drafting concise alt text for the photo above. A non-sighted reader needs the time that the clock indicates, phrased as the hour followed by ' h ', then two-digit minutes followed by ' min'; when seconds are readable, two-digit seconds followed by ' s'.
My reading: 11 h 45 min
